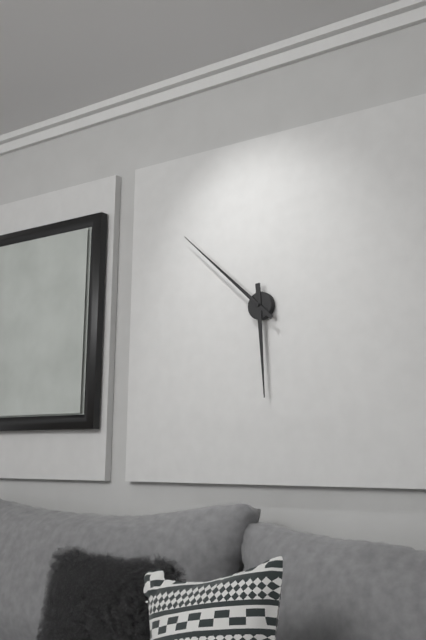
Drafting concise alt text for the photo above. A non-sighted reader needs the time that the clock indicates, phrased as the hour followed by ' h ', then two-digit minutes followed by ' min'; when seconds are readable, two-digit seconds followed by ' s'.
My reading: 5 h 52 min
